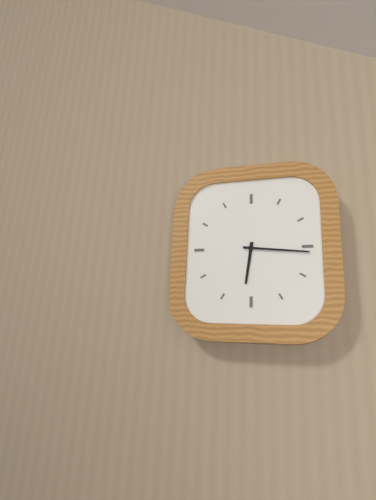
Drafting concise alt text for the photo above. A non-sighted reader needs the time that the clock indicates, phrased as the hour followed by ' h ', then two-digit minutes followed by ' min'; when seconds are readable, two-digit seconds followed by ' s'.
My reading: 6 h 16 min
